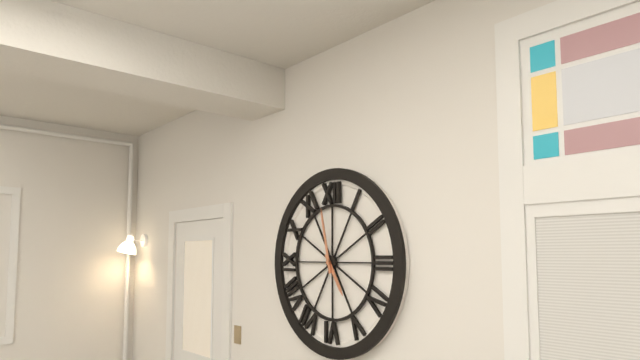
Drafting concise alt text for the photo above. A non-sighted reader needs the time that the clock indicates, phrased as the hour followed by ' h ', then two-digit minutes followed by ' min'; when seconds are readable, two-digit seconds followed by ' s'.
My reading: 4 h 58 min
